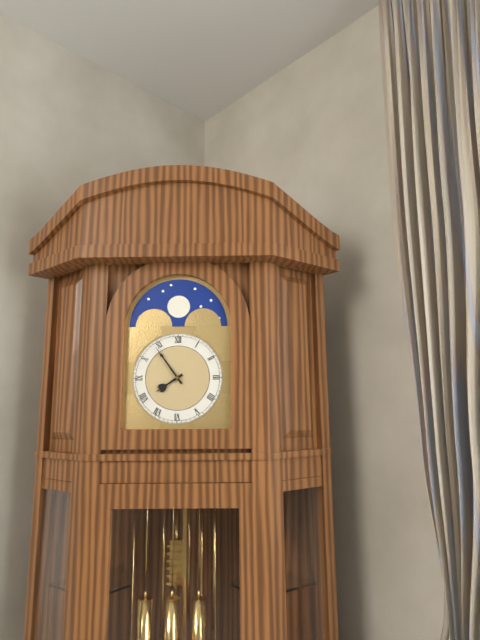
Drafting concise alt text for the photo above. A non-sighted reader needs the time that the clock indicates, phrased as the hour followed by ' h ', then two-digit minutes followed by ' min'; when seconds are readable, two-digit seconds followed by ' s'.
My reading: 7 h 54 min
